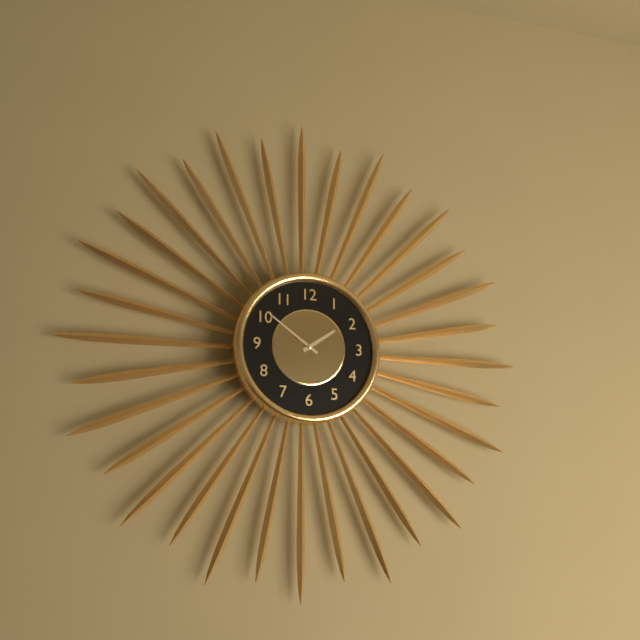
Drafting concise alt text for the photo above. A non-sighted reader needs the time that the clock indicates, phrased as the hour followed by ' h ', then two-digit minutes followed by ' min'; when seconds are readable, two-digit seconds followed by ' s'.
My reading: 1 h 51 min
